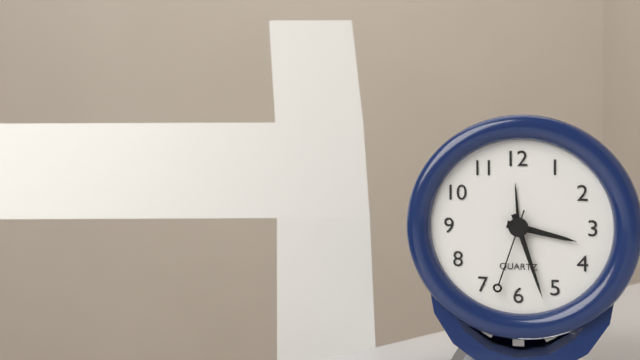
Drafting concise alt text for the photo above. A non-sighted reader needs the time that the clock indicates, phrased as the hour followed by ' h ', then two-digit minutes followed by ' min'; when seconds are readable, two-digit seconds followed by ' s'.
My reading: 3 h 27 min 33 s
